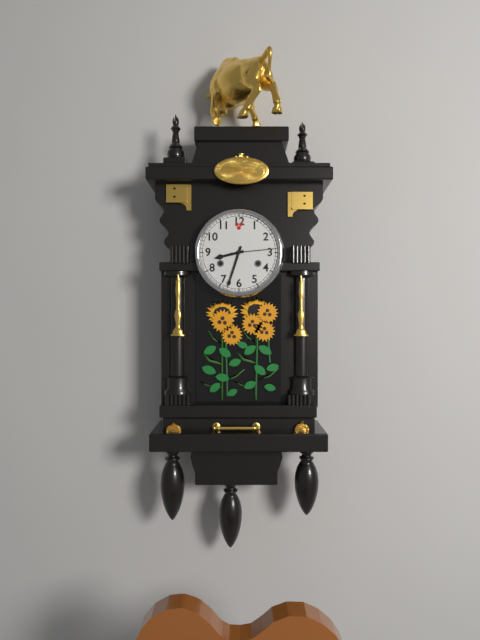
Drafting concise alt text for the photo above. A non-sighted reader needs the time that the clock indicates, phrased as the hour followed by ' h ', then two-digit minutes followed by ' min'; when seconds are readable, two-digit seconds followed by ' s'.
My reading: 8 h 33 min
